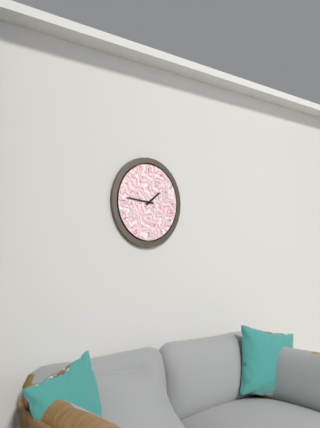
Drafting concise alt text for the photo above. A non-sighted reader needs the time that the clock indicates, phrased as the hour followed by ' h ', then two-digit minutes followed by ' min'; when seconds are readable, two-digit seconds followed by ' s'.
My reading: 1 h 46 min
